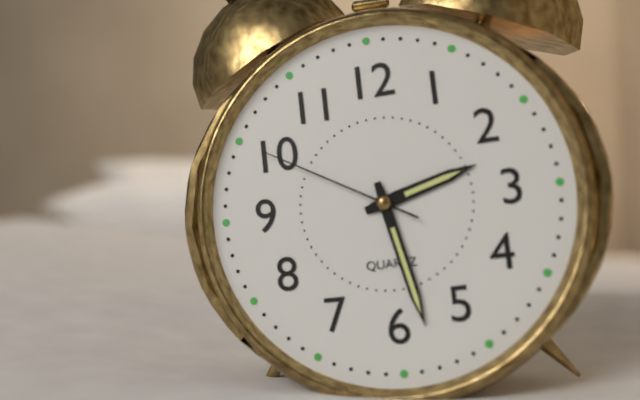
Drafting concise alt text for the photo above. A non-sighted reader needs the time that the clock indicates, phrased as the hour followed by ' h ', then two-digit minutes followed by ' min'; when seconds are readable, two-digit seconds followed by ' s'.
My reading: 2 h 28 min 50 s
